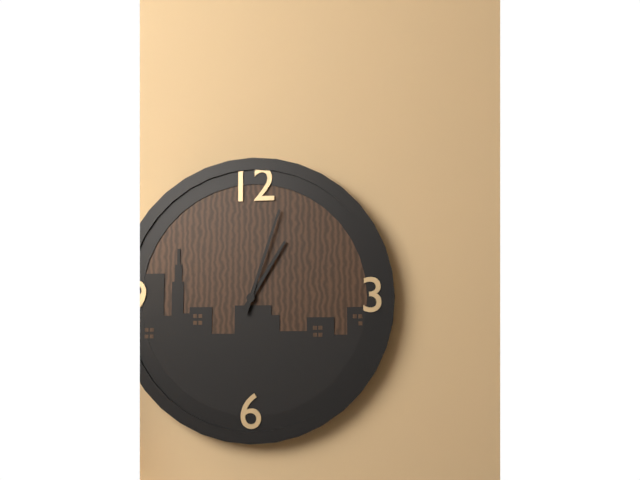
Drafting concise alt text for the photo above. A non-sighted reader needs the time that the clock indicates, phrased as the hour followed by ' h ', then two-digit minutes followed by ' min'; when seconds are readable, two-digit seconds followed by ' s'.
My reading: 1 h 03 min
